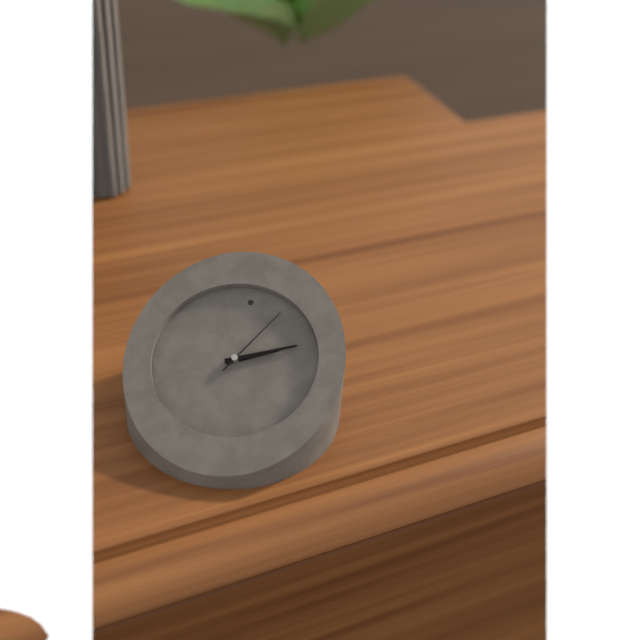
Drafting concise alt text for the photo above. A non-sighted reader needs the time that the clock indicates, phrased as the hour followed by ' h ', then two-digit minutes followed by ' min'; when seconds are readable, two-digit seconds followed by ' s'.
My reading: 2 h 11 min 05 s
